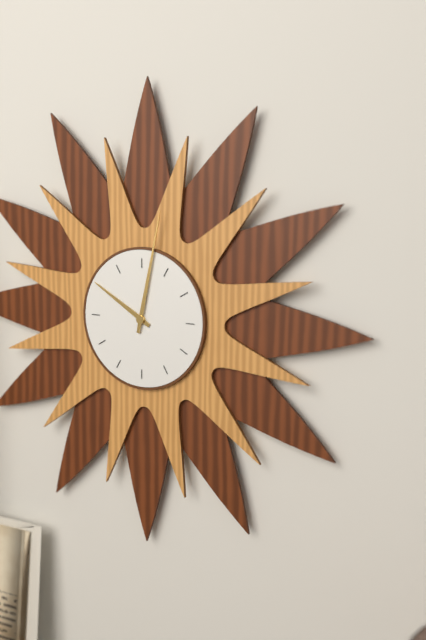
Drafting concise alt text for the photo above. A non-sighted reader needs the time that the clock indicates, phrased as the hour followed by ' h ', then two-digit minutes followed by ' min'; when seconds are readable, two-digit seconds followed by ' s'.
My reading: 10 h 02 min
